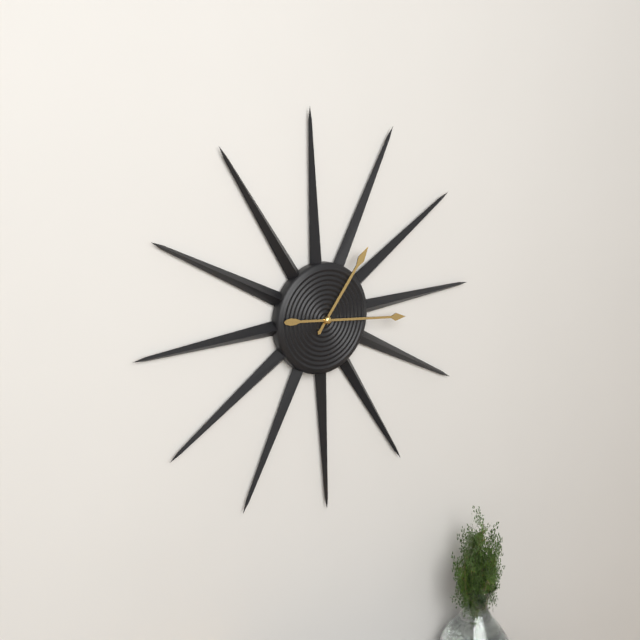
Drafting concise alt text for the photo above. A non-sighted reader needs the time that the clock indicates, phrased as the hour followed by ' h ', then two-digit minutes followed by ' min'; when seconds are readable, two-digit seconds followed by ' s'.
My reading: 1 h 16 min
